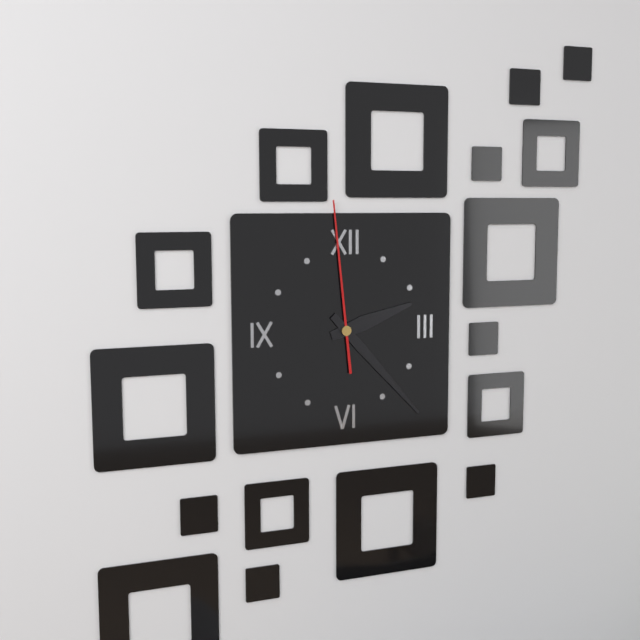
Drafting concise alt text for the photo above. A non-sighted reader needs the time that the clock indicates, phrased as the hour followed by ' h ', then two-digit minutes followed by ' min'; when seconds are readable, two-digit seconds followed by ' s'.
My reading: 2 h 23 min 59 s
